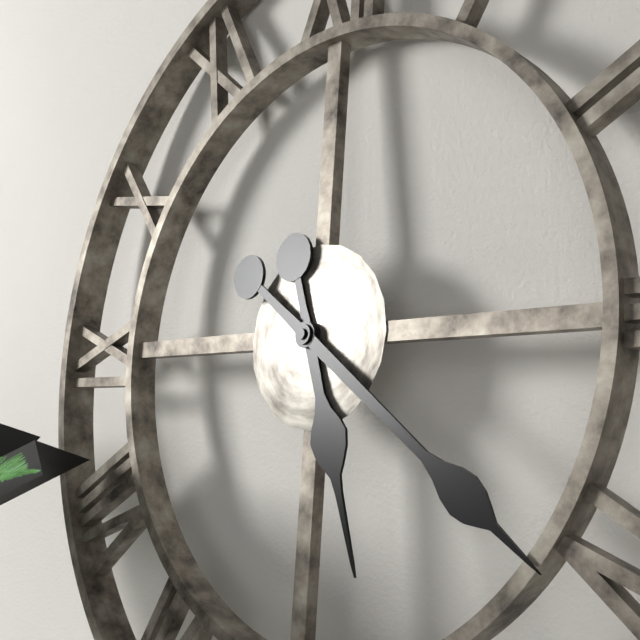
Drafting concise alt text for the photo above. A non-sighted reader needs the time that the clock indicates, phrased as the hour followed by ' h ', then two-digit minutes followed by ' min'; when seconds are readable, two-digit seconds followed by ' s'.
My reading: 5 h 21 min
